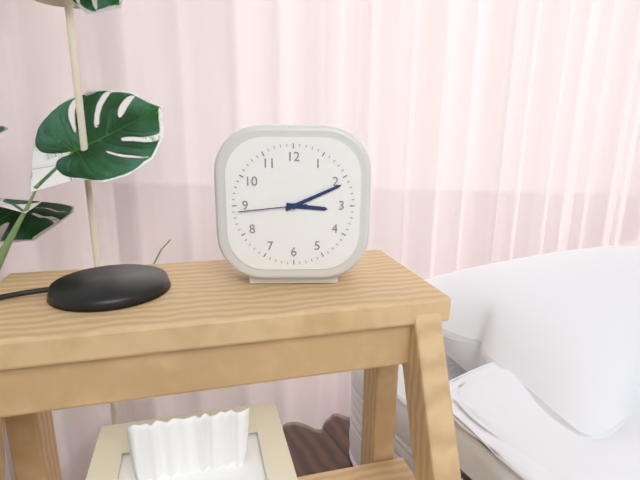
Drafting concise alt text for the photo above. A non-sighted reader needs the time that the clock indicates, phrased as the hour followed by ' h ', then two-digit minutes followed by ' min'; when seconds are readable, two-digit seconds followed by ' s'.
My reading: 3 h 11 min 44 s
